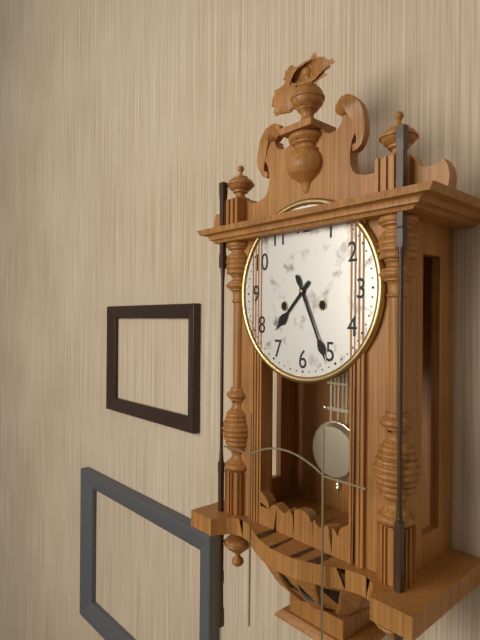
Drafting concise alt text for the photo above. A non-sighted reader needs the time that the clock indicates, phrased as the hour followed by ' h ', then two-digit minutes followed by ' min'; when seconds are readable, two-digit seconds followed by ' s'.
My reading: 7 h 26 min
